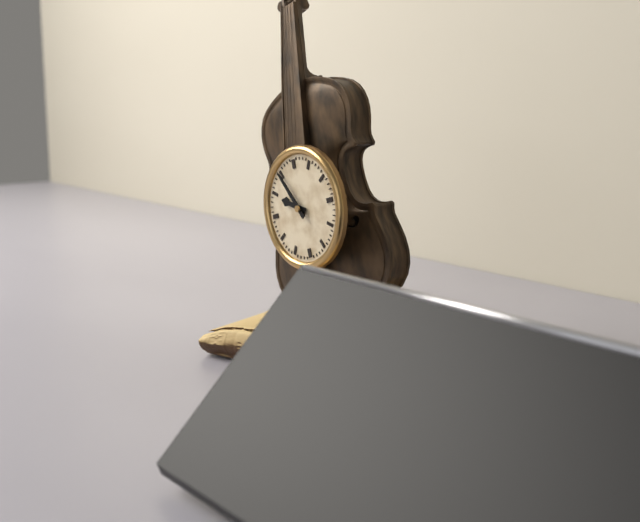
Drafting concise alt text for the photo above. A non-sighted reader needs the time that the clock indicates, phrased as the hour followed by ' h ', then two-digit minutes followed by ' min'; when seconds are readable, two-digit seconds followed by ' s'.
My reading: 9 h 55 min
